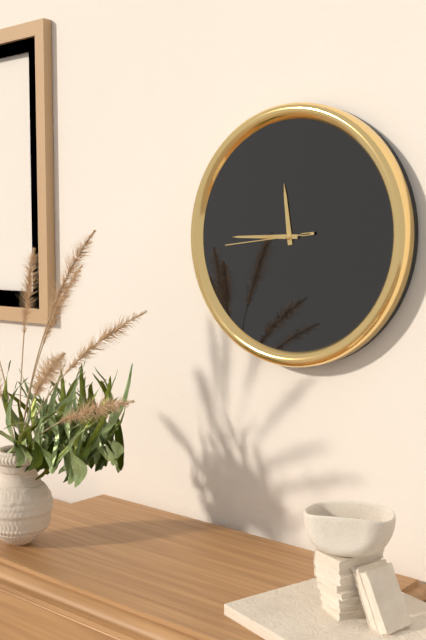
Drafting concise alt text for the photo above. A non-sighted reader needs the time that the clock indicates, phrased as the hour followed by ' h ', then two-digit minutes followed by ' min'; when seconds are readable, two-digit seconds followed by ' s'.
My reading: 11 h 45 min 44 s
